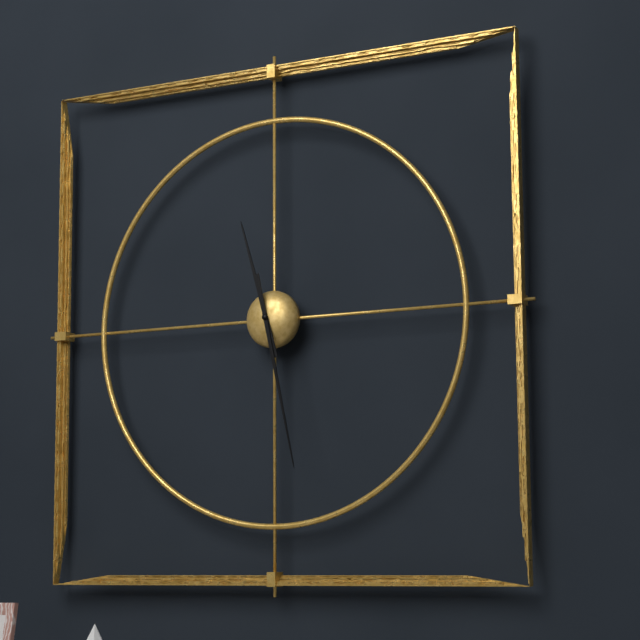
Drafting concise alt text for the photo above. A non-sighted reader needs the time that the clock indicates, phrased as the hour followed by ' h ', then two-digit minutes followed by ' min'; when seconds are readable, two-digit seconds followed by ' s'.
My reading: 11 h 28 min
